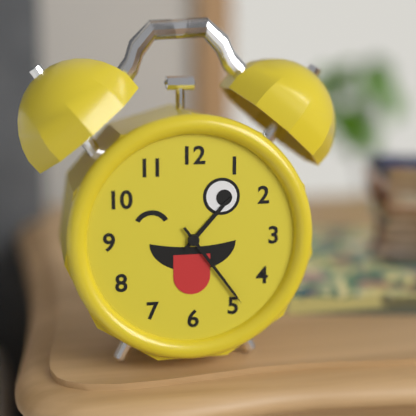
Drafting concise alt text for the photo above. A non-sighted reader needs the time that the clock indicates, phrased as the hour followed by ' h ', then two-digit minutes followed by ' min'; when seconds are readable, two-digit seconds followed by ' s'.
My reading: 1 h 24 min
